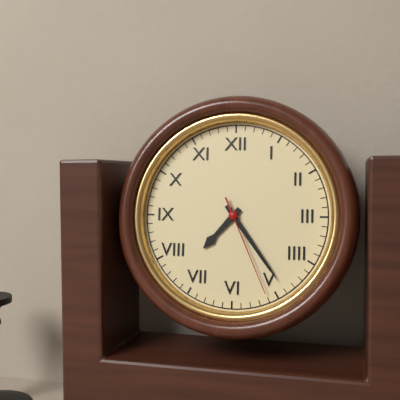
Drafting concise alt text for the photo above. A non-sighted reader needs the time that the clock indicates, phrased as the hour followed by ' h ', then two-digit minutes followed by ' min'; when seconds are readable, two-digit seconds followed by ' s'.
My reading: 7 h 24 min 26 s
